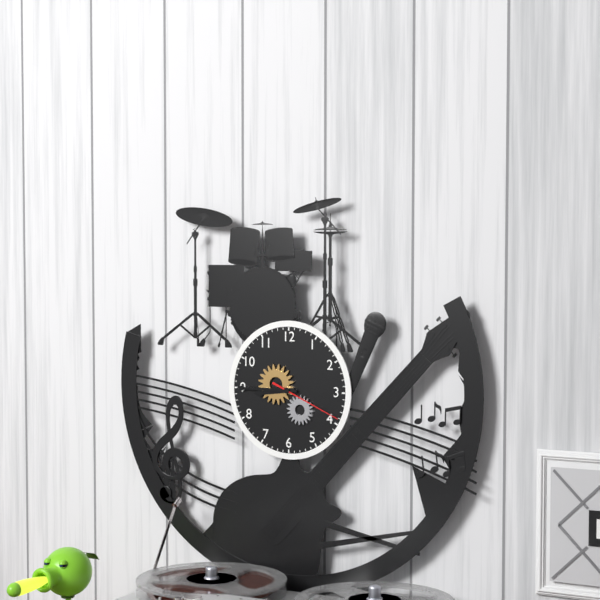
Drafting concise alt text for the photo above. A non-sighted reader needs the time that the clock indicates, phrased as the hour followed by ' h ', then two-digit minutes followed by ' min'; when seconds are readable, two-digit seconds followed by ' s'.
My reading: 8 h 45 min 19 s
